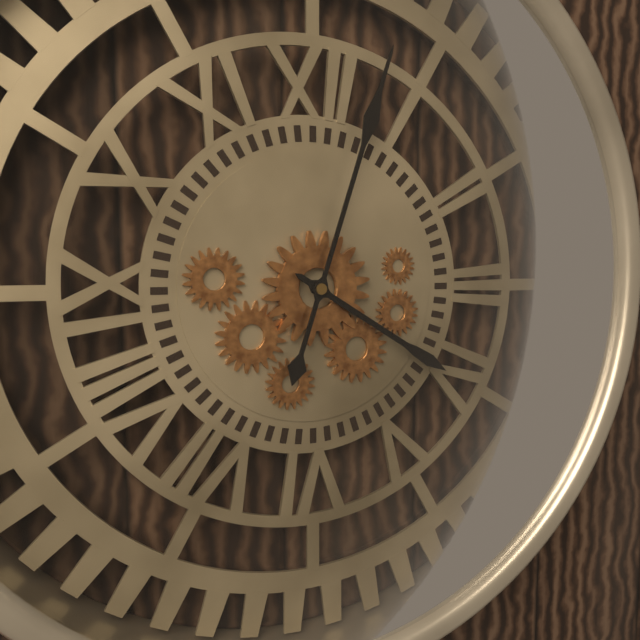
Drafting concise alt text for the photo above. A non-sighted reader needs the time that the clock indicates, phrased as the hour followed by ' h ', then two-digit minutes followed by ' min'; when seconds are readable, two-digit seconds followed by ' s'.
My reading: 4 h 03 min
